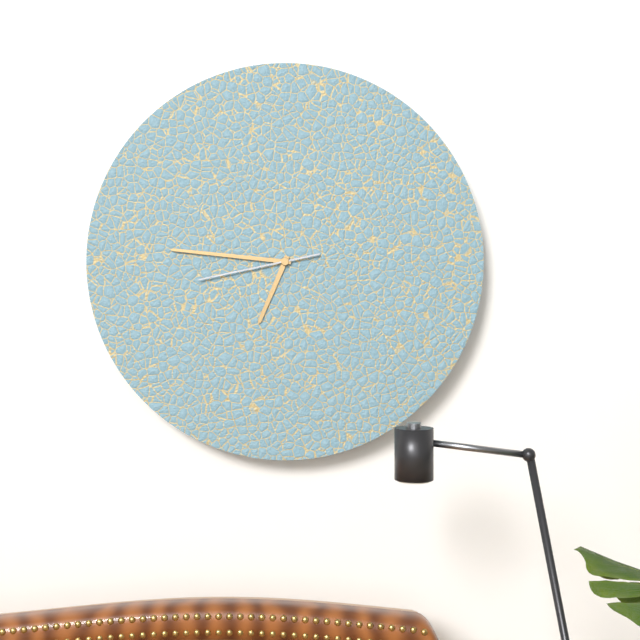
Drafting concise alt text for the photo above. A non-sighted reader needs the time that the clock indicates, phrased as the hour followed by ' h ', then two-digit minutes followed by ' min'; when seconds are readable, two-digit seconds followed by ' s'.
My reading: 6 h 46 min 43 s
